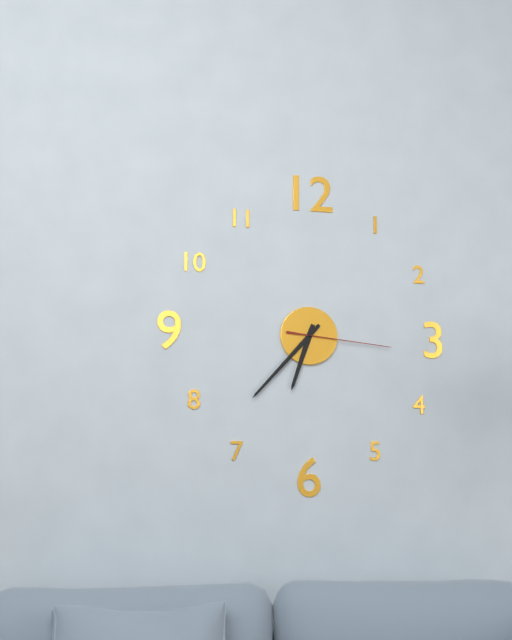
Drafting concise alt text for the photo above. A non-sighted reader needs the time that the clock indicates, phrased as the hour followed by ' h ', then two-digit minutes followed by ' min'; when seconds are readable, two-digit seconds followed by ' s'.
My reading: 6 h 37 min 16 s
